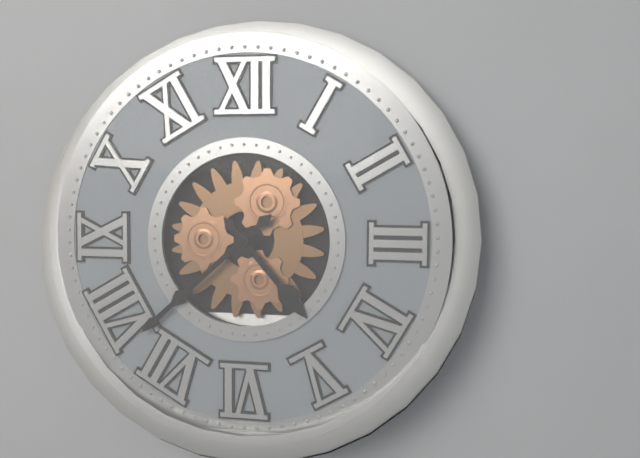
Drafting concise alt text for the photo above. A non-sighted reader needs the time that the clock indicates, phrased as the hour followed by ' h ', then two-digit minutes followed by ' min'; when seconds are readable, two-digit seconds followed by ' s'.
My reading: 4 h 38 min
